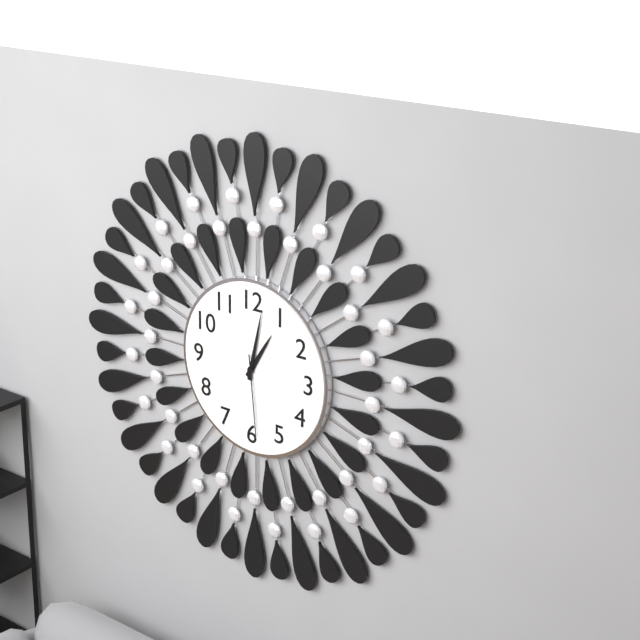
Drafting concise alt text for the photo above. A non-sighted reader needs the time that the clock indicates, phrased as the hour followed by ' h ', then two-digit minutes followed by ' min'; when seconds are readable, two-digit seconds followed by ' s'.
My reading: 1 h 02 min 29 s
